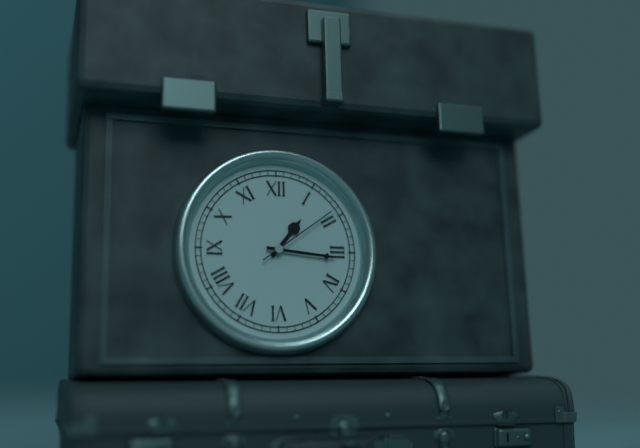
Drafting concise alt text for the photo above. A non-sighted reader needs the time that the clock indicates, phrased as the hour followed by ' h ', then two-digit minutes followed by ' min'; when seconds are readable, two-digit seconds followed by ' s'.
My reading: 1 h 16 min 09 s
